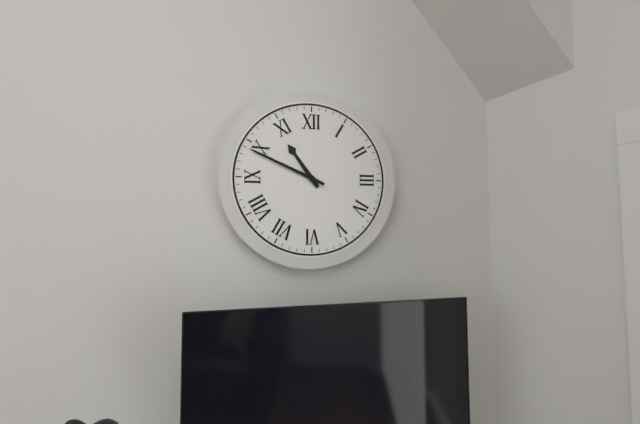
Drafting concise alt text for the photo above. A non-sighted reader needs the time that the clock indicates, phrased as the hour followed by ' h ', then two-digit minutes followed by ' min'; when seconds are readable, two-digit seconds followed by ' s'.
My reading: 10 h 49 min
